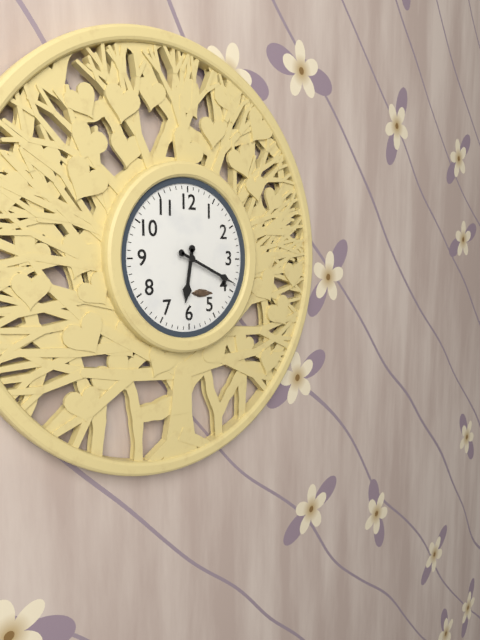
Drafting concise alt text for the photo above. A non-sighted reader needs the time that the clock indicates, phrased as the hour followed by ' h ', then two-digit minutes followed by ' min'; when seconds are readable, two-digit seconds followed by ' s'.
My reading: 6 h 19 min
